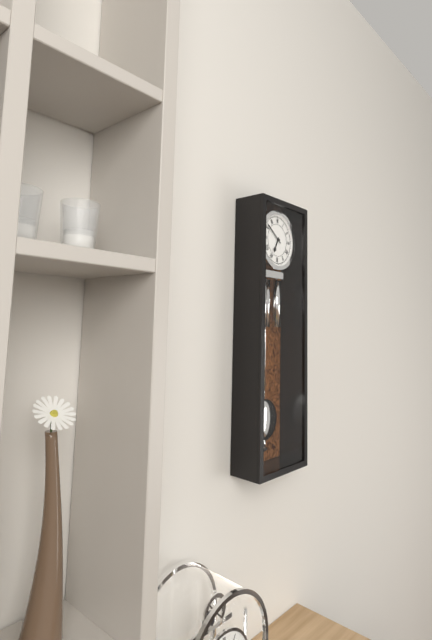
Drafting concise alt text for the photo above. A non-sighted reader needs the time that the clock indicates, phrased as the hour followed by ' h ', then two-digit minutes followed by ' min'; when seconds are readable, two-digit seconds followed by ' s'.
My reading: 6 h 51 min
